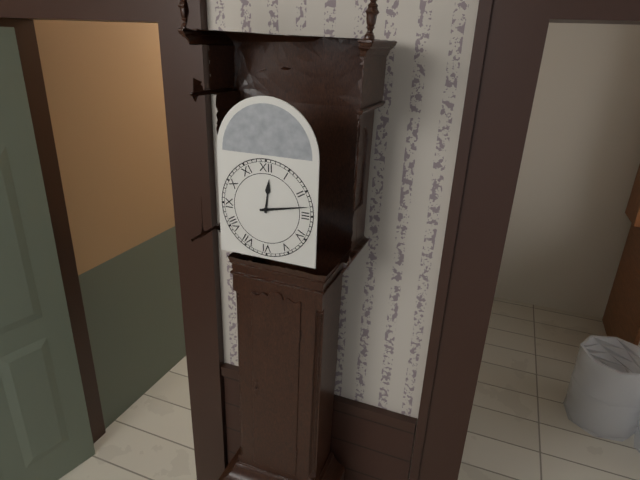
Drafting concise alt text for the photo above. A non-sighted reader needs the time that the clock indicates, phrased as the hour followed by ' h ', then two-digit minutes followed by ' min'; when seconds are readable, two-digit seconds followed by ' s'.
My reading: 12 h 13 min
